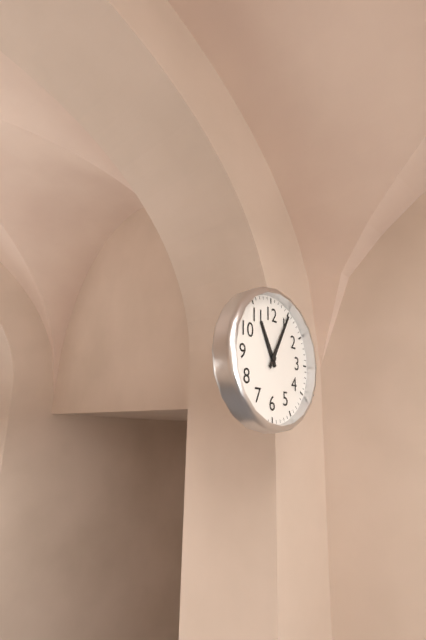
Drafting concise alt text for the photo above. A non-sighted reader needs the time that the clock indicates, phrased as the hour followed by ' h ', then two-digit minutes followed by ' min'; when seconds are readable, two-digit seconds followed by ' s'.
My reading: 11 h 05 min
